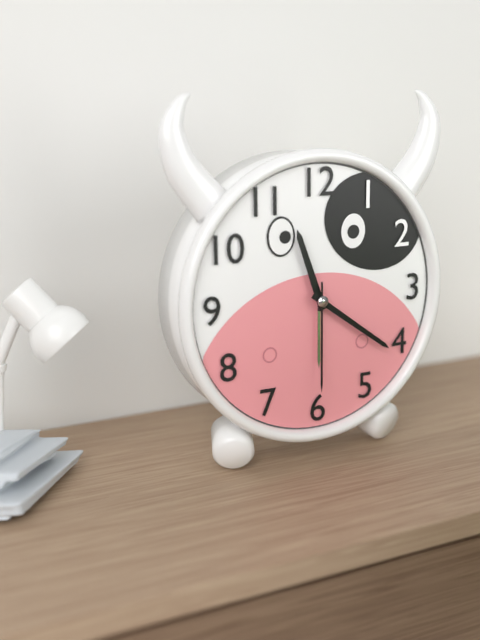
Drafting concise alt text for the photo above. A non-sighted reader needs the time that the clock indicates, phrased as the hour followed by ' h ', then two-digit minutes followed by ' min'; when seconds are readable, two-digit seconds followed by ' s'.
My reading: 11 h 21 min 30 s
